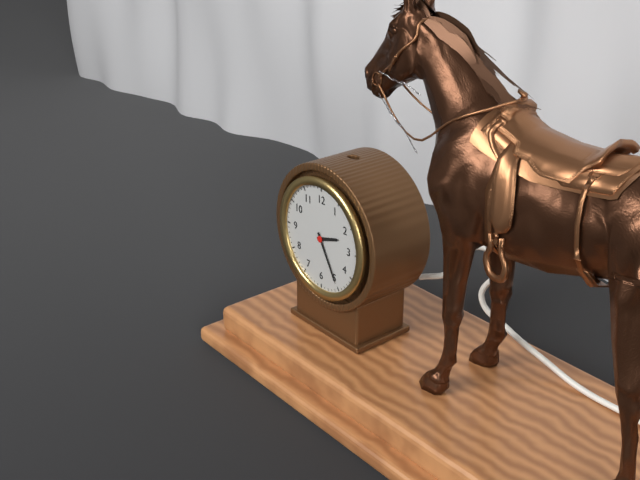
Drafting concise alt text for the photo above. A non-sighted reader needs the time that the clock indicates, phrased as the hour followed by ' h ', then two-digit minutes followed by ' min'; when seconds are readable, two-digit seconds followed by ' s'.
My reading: 2 h 25 min
